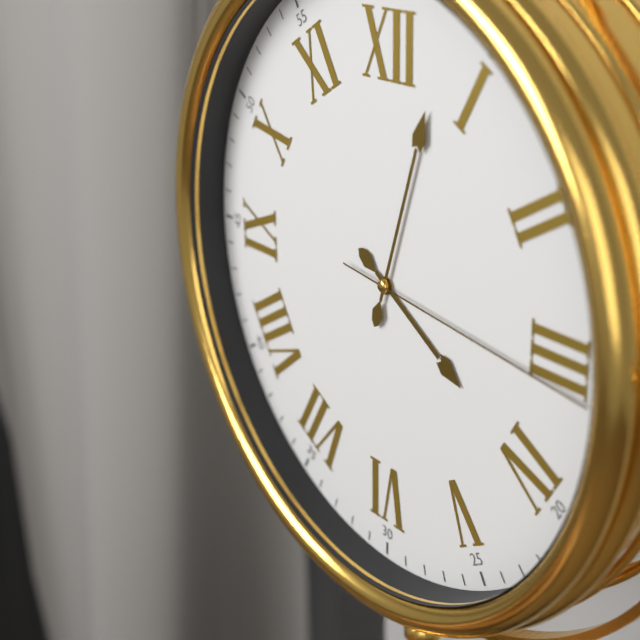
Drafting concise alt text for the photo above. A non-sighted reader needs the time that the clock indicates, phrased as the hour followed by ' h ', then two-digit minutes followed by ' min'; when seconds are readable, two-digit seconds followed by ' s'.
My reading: 4 h 03 min 16 s
